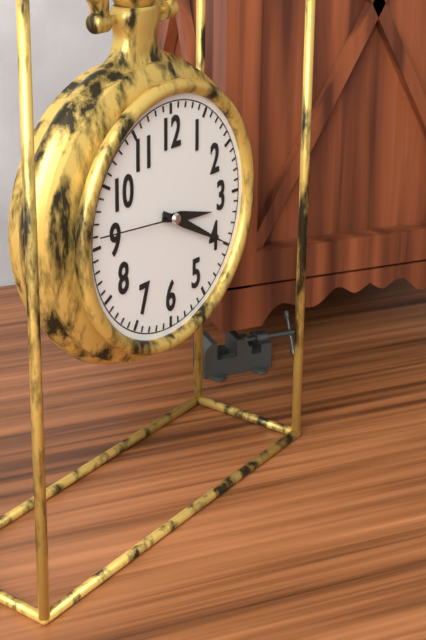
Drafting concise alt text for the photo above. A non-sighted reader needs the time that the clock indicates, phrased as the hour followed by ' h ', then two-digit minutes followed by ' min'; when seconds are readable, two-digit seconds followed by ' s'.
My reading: 3 h 20 min 46 s
